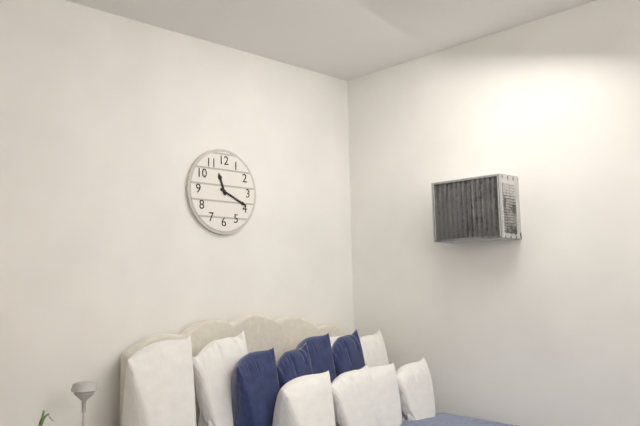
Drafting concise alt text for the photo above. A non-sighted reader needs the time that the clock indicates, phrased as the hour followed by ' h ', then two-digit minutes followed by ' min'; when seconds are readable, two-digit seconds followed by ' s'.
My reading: 11 h 19 min
